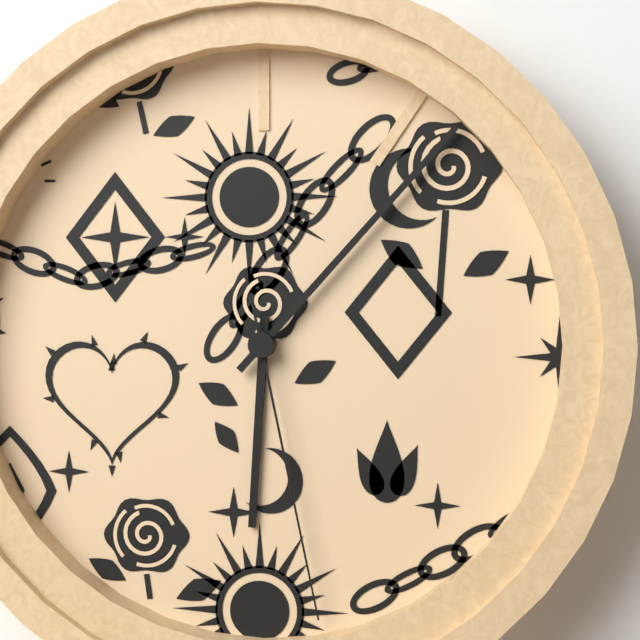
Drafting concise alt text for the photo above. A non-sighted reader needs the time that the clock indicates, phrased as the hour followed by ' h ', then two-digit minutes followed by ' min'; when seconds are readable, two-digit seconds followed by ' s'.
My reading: 6 h 07 min 28 s
